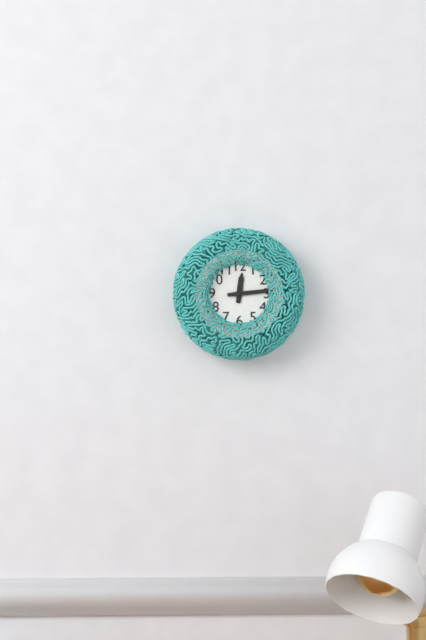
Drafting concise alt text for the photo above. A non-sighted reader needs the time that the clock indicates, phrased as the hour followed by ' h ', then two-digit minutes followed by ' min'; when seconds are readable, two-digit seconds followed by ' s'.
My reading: 12 h 14 min
